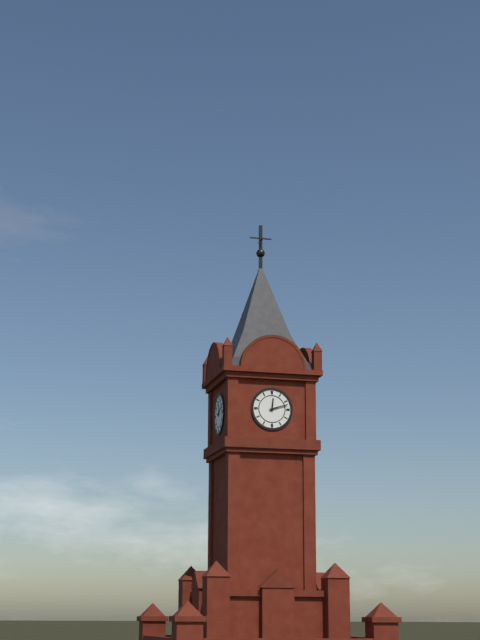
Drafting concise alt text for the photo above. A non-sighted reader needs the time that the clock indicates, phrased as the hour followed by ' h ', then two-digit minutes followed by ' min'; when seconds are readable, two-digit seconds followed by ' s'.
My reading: 12 h 12 min
